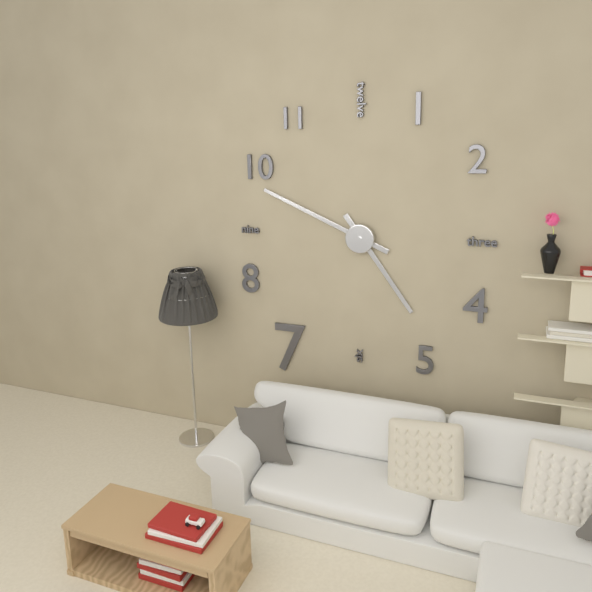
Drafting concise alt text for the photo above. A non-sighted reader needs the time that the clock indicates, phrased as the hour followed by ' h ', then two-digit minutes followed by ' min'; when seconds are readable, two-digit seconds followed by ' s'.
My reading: 4 h 49 min
